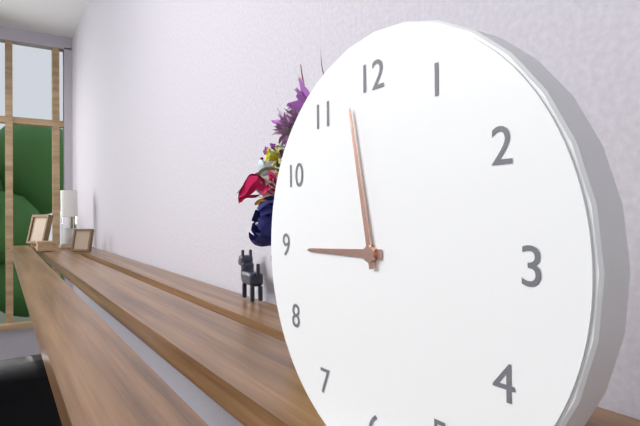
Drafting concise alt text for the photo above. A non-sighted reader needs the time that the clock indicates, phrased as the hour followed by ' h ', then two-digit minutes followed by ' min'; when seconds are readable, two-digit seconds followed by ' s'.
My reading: 8 h 58 min
